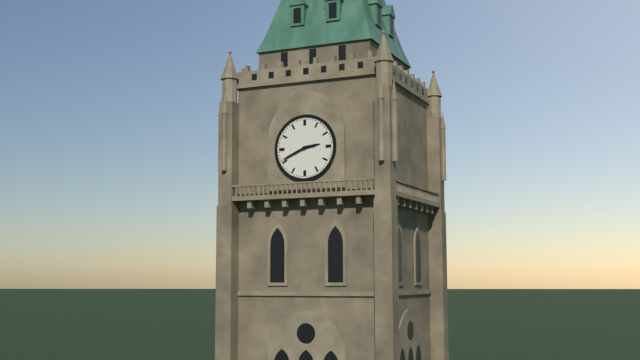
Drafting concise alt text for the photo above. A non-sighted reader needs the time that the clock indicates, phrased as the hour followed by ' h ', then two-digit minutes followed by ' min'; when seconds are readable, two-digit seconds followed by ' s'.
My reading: 2 h 41 min
